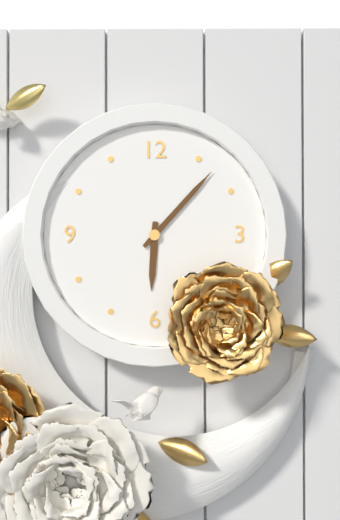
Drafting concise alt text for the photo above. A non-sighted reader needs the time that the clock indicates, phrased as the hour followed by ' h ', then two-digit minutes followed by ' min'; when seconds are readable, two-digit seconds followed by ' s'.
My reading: 6 h 07 min
